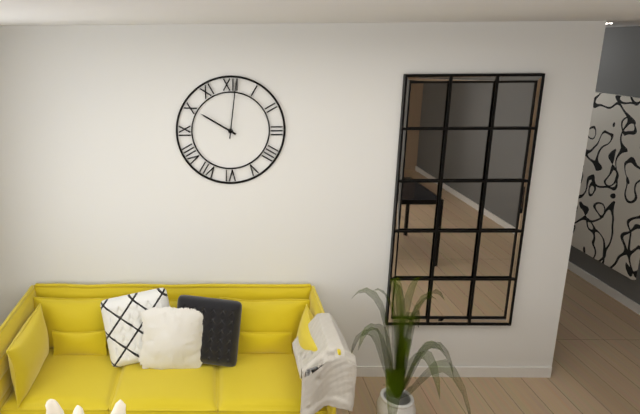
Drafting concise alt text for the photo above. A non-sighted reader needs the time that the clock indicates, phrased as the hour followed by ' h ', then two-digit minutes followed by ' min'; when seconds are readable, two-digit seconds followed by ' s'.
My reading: 10 h 01 min
